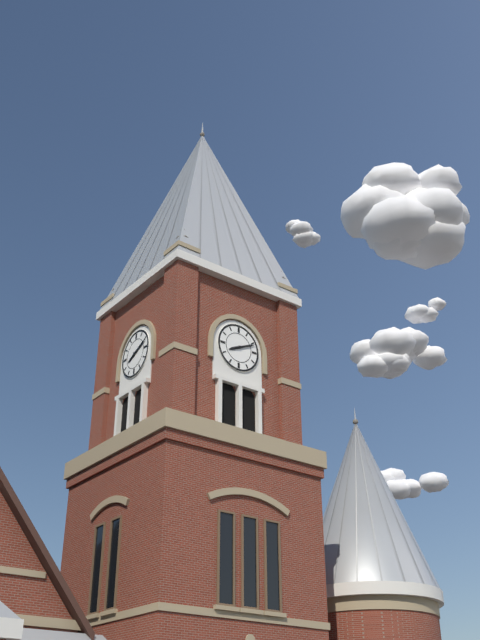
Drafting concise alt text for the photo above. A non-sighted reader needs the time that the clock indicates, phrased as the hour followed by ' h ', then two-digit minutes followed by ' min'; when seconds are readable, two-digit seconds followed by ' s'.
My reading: 8 h 11 min
